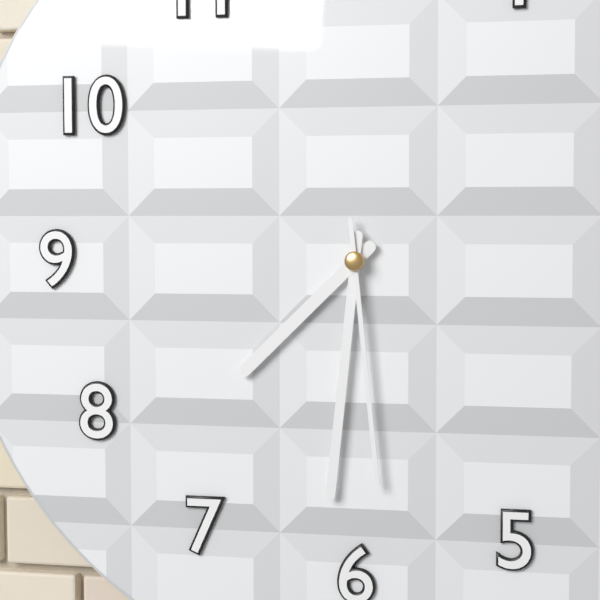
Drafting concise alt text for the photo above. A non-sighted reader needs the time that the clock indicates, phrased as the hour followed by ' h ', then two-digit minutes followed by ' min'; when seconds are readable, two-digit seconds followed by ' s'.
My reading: 7 h 31 min 29 s
